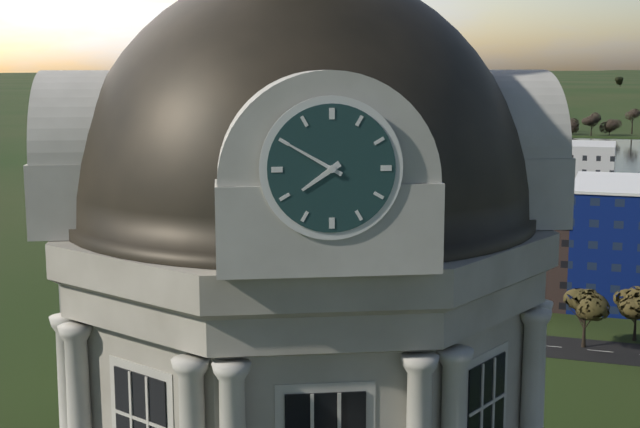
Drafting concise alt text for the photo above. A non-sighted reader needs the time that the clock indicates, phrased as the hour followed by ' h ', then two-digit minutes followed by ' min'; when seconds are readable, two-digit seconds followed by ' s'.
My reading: 7 h 50 min
